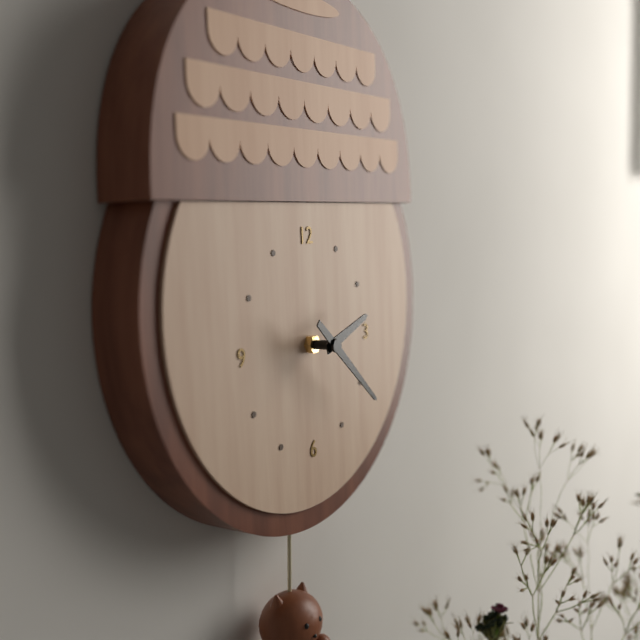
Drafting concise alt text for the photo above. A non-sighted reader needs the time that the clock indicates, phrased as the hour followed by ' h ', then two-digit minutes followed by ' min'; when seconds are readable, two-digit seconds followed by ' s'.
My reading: 2 h 22 min
